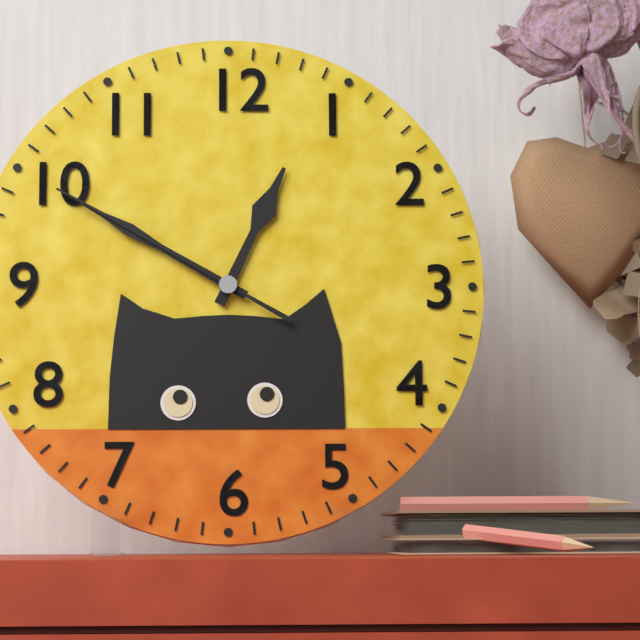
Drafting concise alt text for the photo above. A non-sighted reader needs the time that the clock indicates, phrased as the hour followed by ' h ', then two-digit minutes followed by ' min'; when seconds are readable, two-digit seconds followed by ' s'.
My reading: 12 h 50 min 50 s
